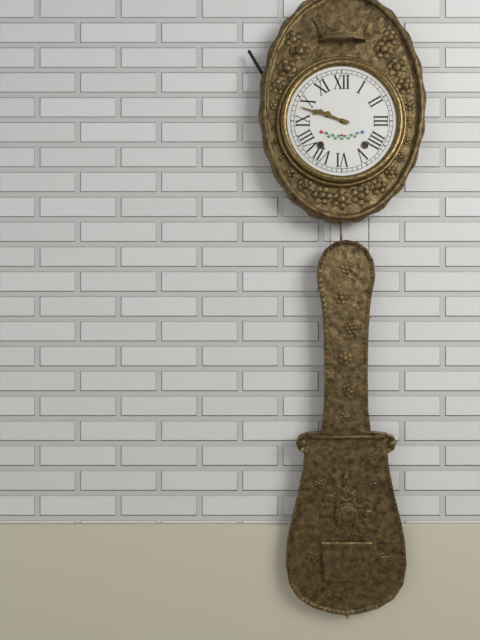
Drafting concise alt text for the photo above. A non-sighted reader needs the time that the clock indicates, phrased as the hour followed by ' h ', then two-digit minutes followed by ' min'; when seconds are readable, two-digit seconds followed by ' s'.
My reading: 9 h 48 min
